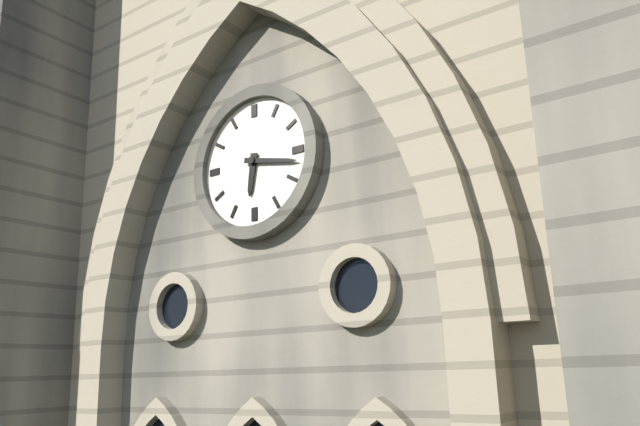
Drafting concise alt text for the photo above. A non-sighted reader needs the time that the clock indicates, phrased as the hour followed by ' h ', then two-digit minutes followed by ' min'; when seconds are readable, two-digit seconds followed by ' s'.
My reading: 6 h 17 min
